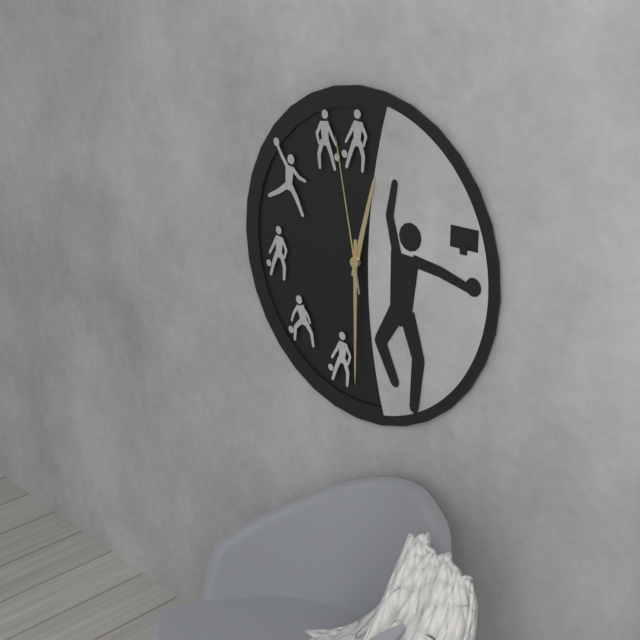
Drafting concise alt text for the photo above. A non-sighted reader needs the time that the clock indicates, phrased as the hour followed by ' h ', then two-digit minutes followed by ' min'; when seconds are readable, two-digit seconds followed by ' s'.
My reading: 12 h 30 min 58 s
